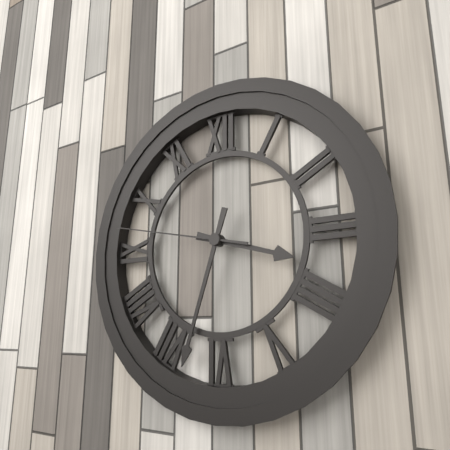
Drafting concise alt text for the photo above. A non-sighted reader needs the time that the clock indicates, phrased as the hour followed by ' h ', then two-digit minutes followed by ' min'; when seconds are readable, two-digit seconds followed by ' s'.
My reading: 3 h 33 min 47 s
